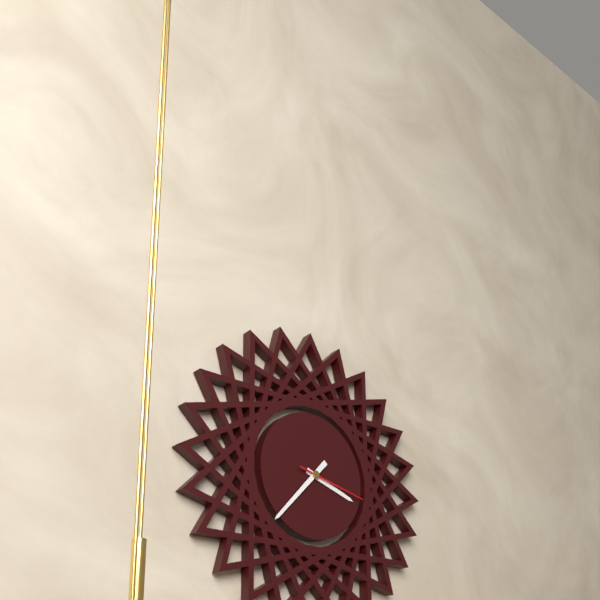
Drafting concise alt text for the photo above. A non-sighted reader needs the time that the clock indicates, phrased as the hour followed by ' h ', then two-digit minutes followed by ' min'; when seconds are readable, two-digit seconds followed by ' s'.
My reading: 3 h 37 min 17 s
